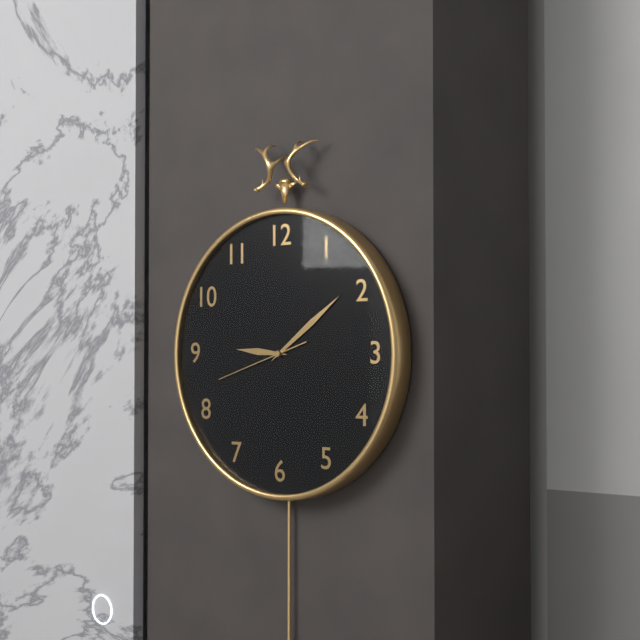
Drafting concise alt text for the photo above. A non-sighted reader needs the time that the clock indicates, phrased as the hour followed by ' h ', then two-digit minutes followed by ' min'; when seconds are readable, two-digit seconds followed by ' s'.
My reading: 9 h 09 min 42 s
